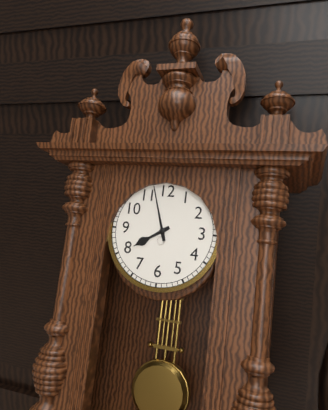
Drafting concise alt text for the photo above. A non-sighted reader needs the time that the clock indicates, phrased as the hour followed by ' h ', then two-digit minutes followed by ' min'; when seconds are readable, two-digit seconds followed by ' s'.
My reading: 7 h 57 min
